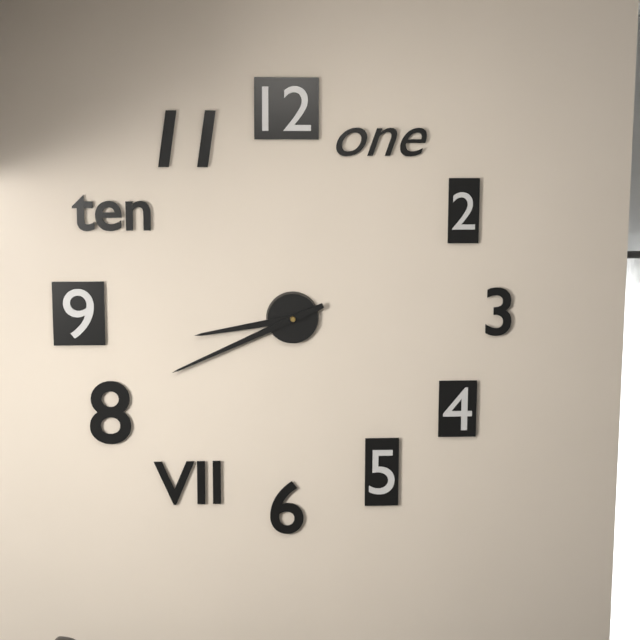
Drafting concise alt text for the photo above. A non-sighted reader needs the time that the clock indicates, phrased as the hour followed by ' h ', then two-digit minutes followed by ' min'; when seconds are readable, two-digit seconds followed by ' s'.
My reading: 8 h 41 min
